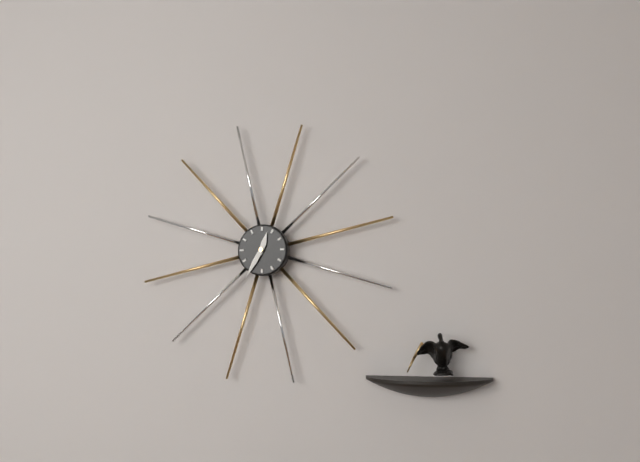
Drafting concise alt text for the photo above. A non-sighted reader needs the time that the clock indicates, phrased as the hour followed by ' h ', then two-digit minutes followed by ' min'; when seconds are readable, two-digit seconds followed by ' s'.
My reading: 12 h 35 min
